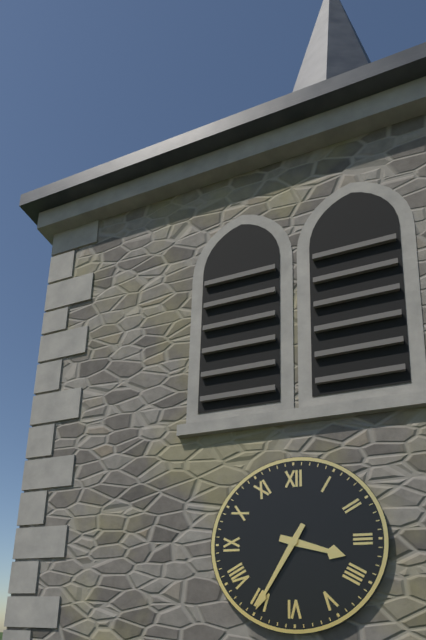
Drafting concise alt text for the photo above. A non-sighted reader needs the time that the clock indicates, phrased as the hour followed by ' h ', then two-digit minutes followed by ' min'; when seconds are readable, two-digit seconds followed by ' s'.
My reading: 3 h 35 min
